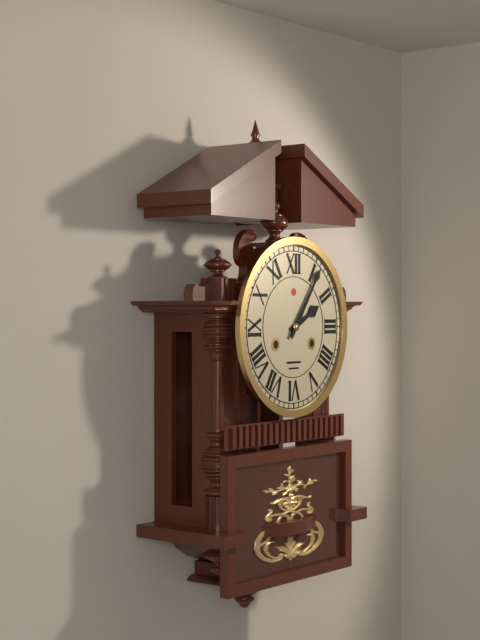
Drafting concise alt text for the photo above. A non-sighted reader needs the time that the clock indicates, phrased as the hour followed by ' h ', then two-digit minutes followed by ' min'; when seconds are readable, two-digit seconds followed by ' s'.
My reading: 2 h 06 min
